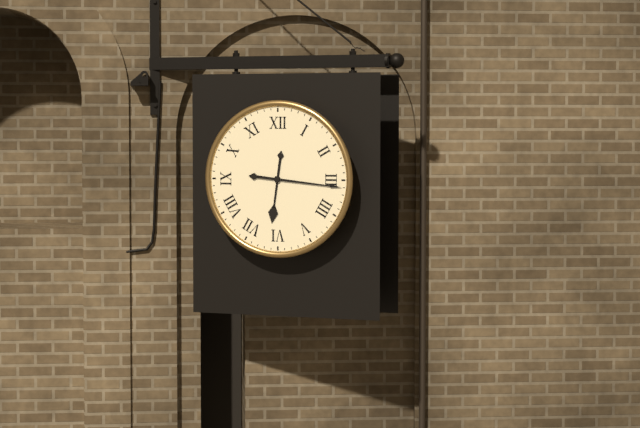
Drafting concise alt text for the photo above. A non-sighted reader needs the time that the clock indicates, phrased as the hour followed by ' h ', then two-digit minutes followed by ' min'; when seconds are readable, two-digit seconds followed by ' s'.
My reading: 6 h 16 min
